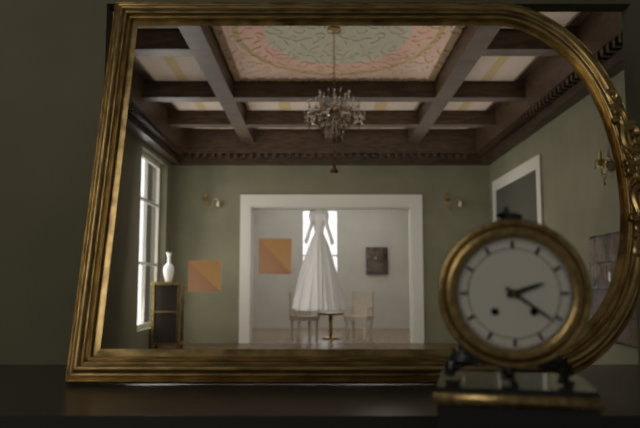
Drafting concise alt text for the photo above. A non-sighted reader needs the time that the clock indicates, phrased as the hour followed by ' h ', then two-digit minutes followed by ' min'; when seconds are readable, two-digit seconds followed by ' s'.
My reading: 2 h 21 min
